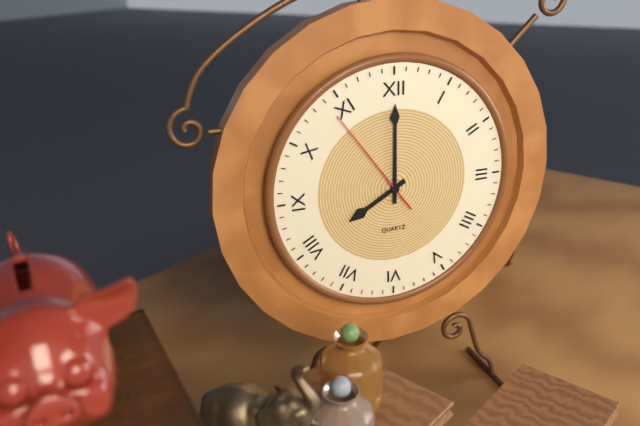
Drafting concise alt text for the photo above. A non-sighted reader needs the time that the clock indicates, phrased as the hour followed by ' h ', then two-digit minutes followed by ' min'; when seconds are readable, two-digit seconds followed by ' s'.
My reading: 8 h 00 min 54 s
